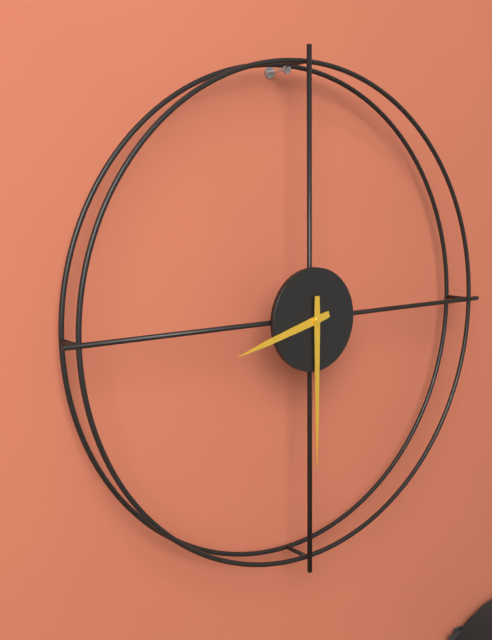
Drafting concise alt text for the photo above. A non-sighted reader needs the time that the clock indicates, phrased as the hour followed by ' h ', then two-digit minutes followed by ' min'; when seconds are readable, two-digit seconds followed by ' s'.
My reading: 8 h 30 min
